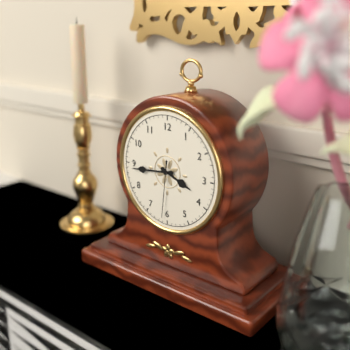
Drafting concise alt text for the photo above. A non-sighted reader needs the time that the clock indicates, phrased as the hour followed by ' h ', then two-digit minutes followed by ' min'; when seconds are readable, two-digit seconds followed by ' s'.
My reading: 3 h 44 min 31 s
